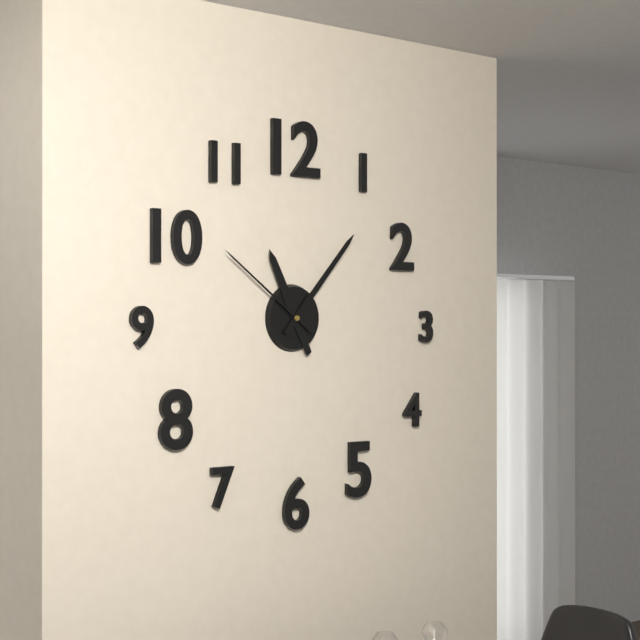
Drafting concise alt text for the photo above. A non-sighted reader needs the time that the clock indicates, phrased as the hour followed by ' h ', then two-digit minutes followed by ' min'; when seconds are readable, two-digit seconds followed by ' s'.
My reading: 11 h 07 min 51 s
